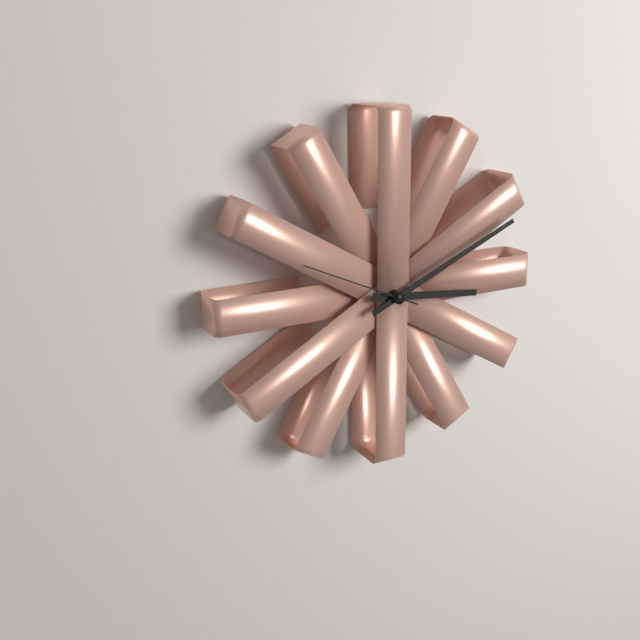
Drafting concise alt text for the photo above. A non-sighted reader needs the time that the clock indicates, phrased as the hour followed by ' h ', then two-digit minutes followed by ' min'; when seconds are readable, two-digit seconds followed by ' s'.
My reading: 3 h 11 min 49 s
